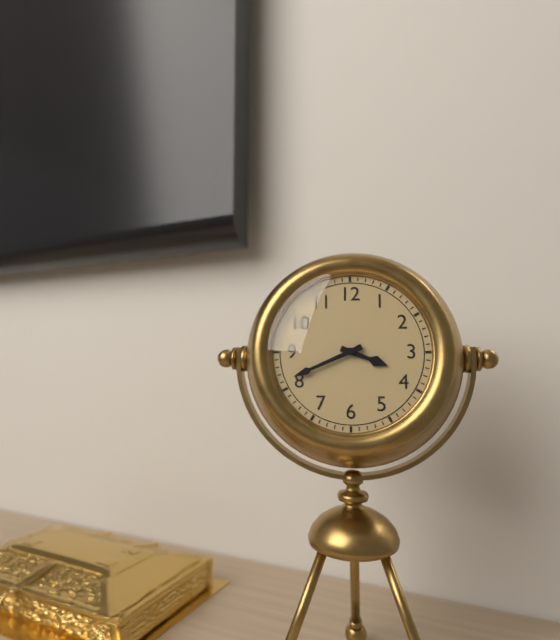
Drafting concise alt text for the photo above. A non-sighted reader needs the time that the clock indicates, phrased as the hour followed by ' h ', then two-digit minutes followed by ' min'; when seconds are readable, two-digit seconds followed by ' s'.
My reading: 3 h 41 min
